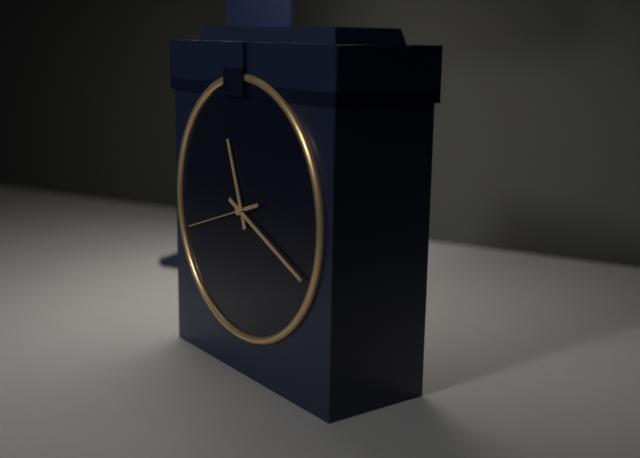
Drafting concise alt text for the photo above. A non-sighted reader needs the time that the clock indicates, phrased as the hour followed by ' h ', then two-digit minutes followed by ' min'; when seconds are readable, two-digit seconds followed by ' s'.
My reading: 11 h 19 min 42 s
